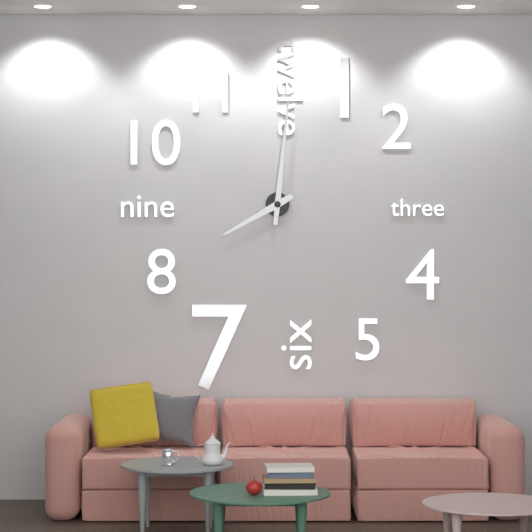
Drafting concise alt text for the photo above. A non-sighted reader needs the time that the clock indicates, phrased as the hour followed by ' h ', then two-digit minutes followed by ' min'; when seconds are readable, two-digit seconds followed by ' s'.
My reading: 8 h 01 min
